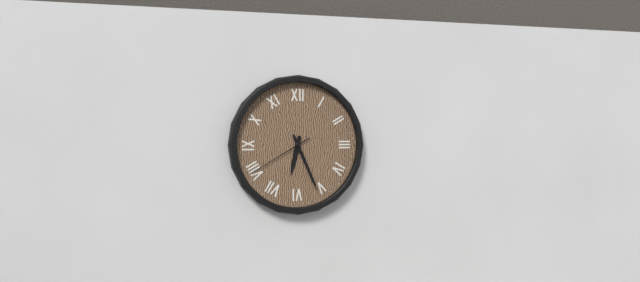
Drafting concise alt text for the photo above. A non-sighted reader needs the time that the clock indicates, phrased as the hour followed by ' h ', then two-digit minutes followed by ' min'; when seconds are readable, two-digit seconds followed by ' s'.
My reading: 6 h 26 min 40 s
